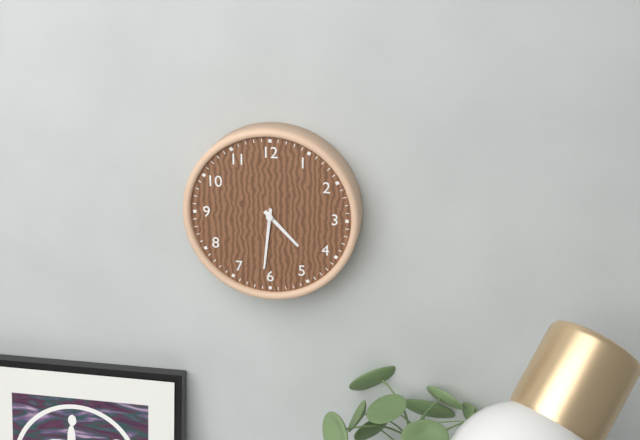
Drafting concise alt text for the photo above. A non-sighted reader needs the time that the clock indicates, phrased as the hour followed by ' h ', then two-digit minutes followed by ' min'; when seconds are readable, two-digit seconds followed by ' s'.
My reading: 4 h 31 min
